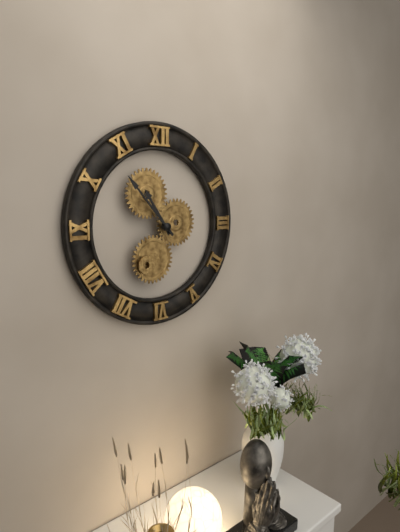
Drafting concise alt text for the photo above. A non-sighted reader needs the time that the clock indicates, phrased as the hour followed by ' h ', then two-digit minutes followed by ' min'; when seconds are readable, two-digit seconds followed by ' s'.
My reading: 10 h 53 min
